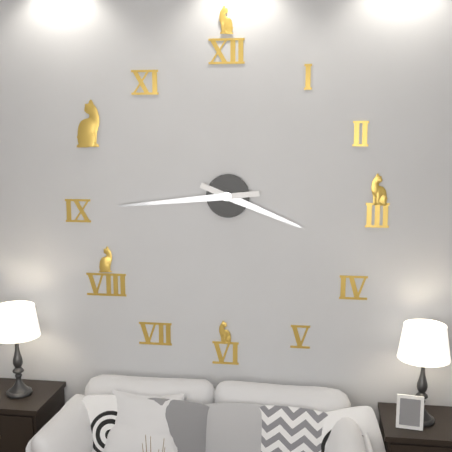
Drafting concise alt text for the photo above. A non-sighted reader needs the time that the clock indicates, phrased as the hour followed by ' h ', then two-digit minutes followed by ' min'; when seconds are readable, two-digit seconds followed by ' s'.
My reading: 3 h 44 min
